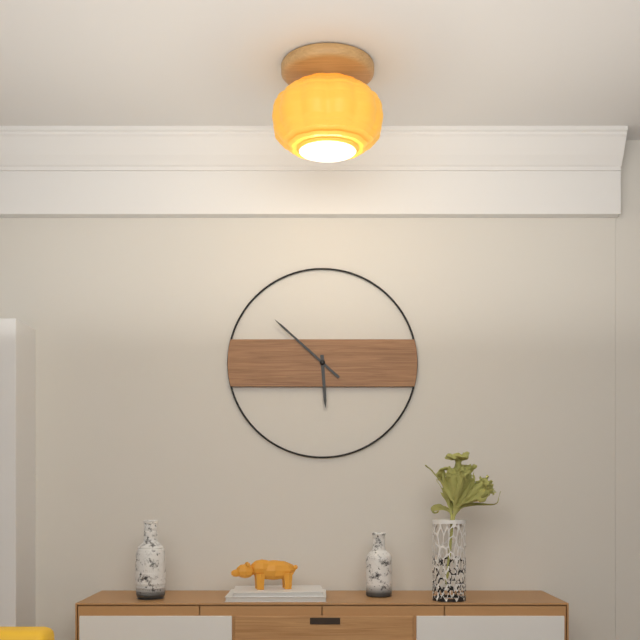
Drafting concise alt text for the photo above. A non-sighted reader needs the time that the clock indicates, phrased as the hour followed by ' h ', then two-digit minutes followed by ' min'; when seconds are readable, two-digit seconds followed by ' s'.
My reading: 5 h 52 min
